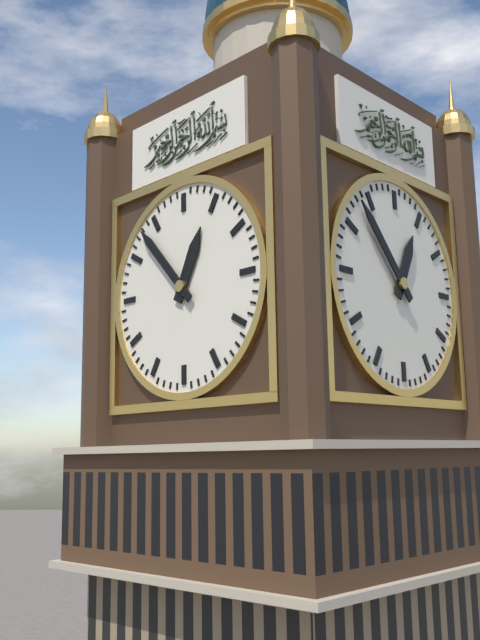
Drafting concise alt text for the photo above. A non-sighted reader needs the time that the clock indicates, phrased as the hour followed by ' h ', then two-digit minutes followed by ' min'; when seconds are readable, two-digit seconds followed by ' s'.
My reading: 12 h 53 min
